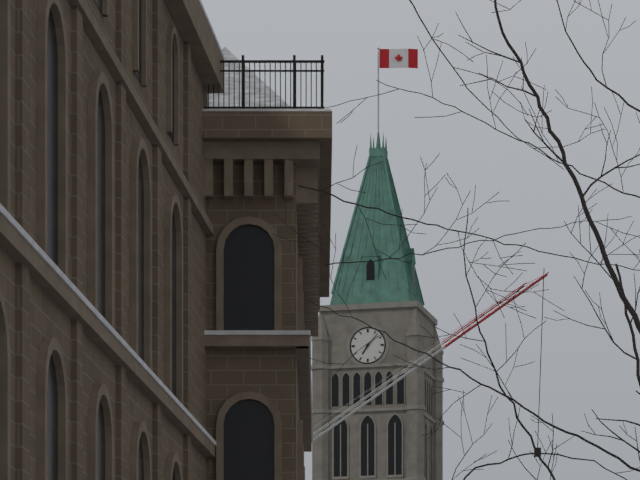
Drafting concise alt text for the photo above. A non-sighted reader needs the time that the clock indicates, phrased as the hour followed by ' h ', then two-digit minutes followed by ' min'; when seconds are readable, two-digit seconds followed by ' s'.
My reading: 7 h 07 min
